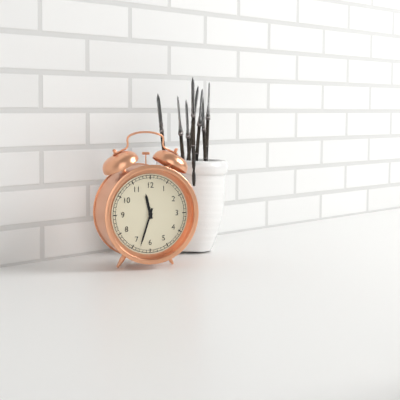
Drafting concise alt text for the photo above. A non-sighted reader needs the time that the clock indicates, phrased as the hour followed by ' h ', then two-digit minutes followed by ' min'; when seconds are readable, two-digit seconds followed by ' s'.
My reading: 11 h 33 min
